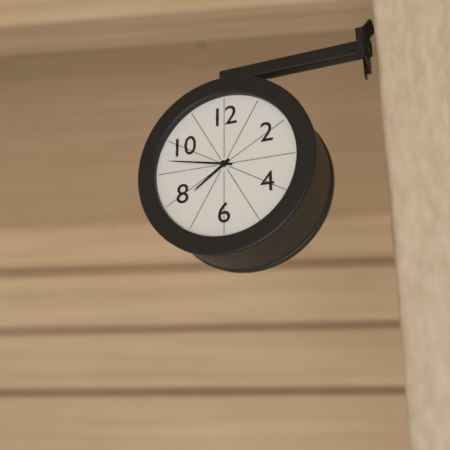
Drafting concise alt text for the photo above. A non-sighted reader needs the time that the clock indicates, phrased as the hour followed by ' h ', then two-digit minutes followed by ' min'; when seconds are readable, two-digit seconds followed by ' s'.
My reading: 7 h 47 min
